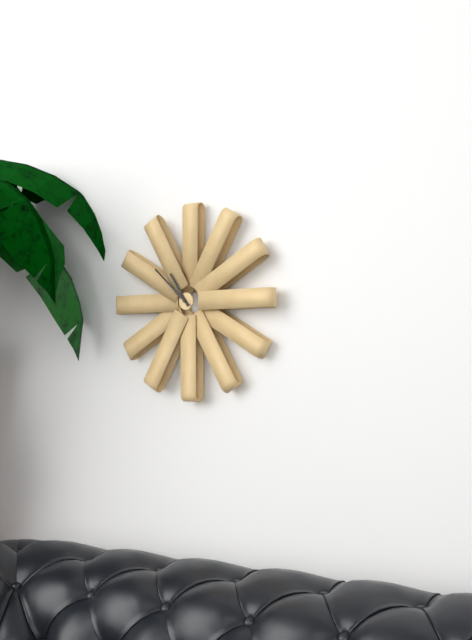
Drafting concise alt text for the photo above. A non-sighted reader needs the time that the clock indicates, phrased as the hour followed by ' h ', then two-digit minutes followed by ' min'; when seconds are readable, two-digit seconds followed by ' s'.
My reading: 10 h 52 min
